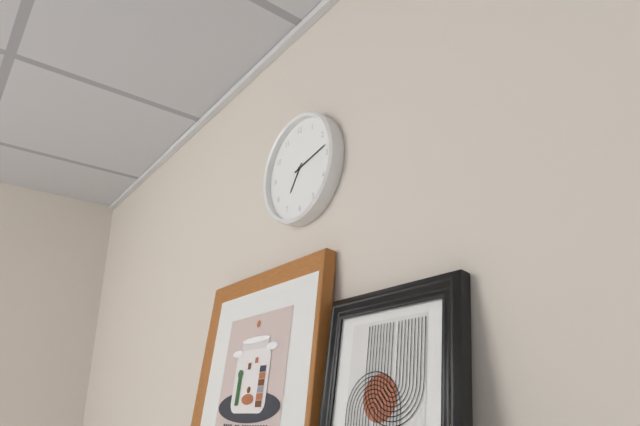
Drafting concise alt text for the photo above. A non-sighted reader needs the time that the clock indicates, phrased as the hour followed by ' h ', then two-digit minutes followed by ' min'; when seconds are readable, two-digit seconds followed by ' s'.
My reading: 7 h 13 min
